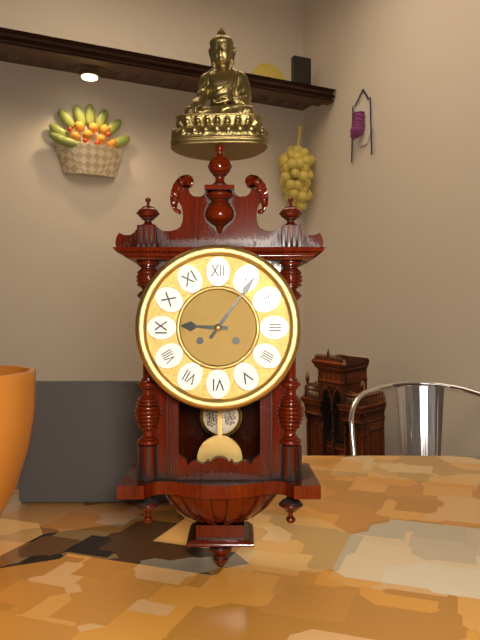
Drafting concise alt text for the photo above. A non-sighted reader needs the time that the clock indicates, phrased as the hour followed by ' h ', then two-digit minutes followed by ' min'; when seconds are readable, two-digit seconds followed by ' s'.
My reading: 9 h 06 min
